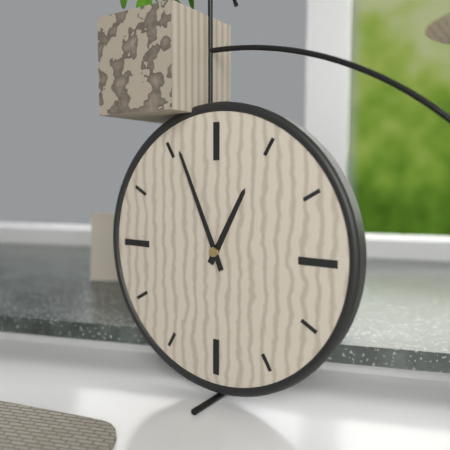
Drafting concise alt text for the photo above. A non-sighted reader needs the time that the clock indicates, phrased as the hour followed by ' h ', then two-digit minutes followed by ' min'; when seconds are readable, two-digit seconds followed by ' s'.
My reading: 12 h 56 min
